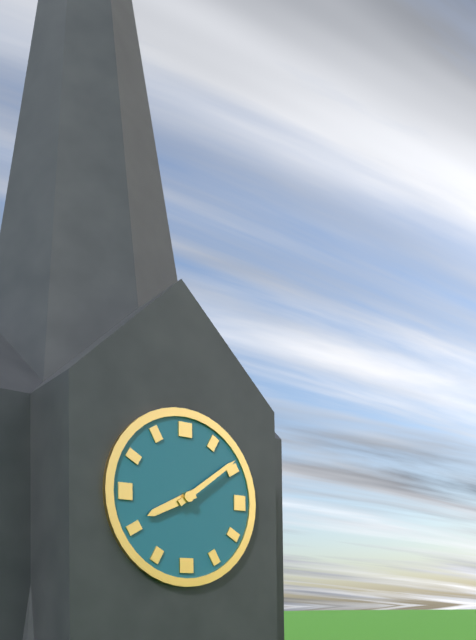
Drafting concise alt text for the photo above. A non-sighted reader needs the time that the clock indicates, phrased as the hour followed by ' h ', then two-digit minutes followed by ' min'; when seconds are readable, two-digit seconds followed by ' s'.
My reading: 8 h 09 min
